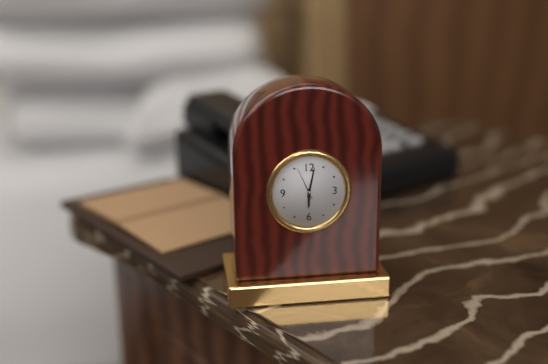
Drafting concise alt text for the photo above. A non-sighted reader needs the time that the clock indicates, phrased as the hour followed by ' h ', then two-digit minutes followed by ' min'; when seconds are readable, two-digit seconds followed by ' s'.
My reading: 6 h 02 min
